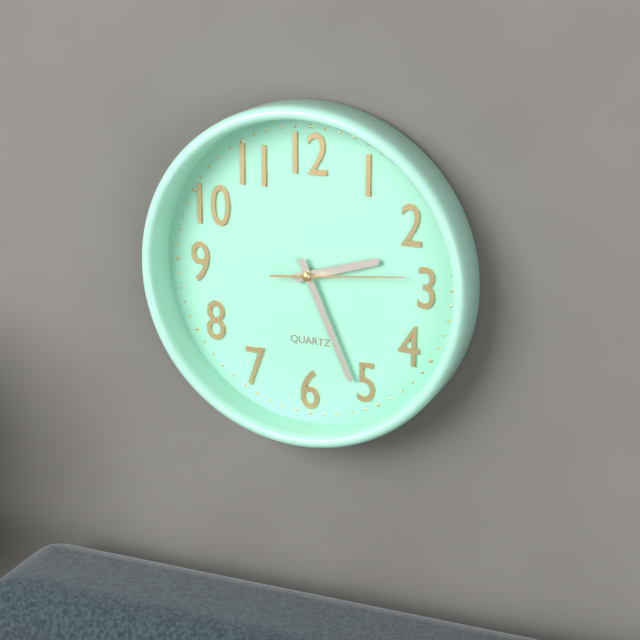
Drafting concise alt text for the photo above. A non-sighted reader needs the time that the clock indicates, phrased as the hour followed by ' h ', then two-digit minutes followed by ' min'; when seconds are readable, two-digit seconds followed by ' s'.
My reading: 2 h 26 min 14 s
